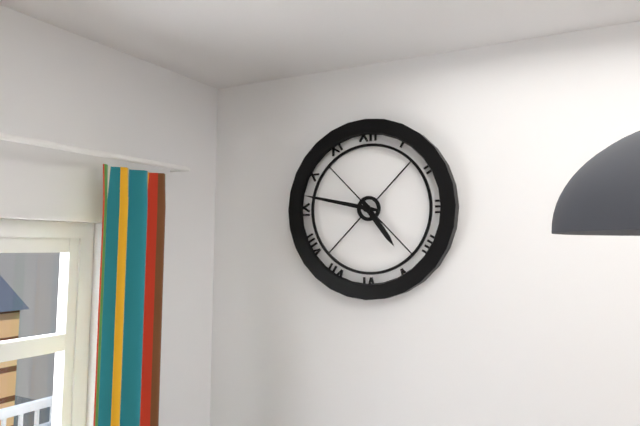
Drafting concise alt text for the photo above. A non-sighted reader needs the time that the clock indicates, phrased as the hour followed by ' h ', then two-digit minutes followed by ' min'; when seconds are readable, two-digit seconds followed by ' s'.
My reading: 4 h 47 min
